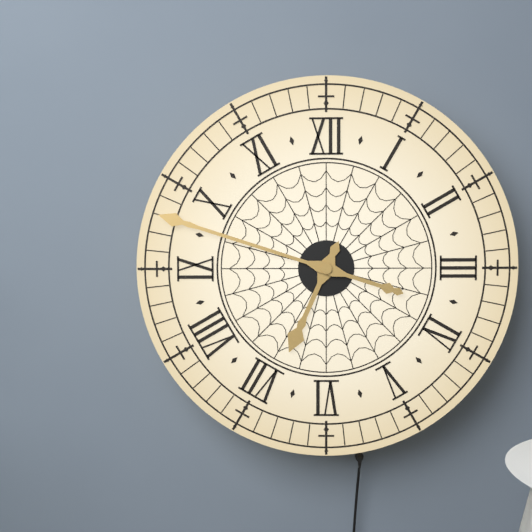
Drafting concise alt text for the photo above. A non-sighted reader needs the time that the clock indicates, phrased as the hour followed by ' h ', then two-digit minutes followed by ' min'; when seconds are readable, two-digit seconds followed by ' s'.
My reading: 6 h 48 min
